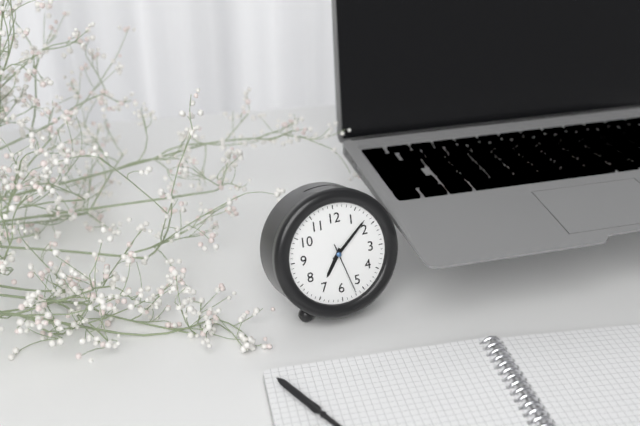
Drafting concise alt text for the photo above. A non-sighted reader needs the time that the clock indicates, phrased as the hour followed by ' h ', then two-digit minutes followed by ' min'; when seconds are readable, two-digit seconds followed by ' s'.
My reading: 7 h 08 min 27 s
